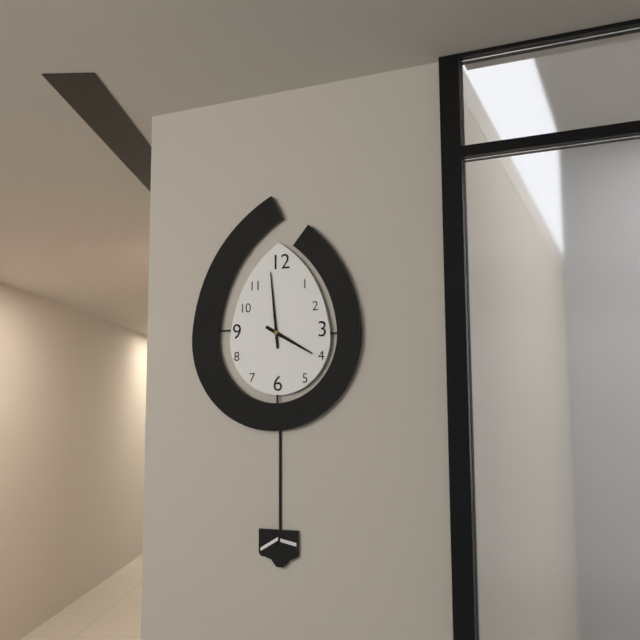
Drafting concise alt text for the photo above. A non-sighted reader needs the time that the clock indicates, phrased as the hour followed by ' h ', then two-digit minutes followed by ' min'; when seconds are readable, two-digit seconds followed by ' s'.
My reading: 3 h 59 min
